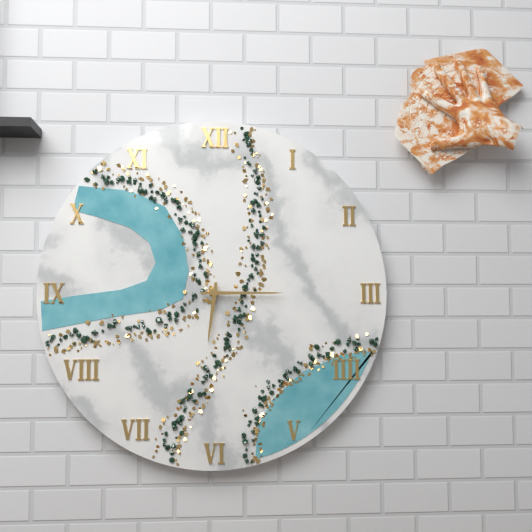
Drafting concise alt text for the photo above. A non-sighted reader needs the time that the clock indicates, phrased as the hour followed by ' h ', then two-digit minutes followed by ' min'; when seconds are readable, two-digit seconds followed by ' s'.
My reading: 6 h 15 min
